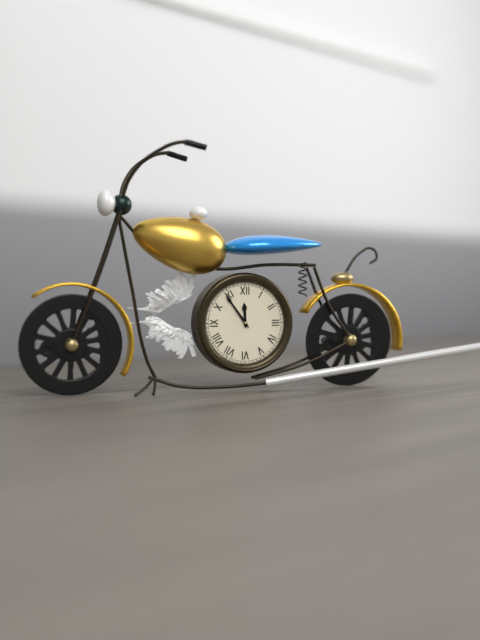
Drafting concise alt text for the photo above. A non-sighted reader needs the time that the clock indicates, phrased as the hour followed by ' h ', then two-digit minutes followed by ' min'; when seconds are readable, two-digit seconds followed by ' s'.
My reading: 11 h 54 min
